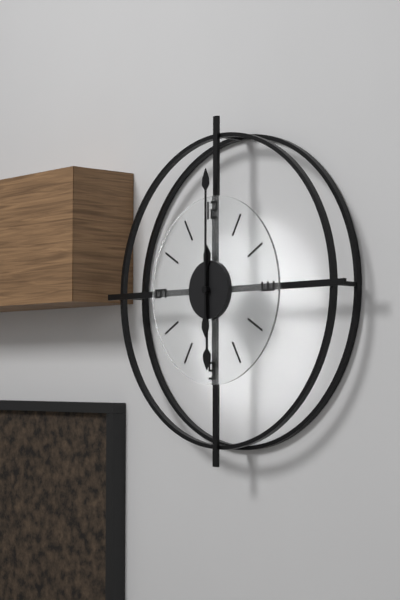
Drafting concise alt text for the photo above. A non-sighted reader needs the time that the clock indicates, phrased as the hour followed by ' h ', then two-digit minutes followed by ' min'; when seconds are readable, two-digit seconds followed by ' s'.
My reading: 6 h 00 min
